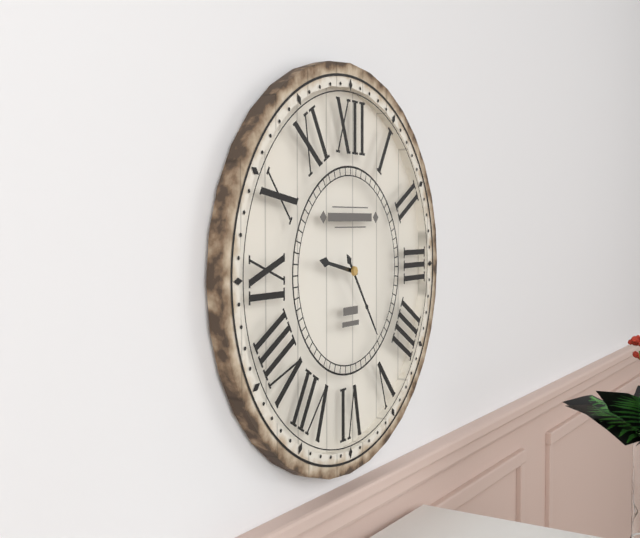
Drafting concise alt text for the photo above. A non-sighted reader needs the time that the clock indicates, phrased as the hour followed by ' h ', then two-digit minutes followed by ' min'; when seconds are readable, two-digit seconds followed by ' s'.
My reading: 9 h 24 min
